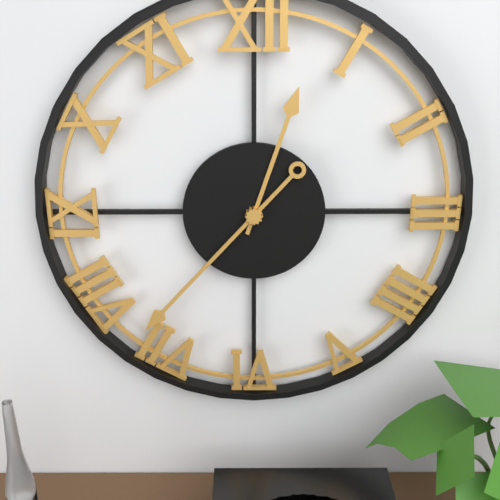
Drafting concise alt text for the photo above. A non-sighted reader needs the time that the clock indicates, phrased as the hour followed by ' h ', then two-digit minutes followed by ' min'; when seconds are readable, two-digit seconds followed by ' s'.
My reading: 12 h 37 min
